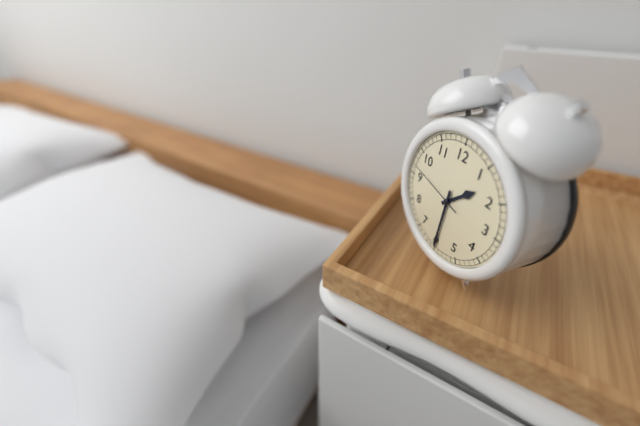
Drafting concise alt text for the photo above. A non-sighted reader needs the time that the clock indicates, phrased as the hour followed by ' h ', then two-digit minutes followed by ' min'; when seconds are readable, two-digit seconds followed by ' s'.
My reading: 1 h 30 min 47 s
